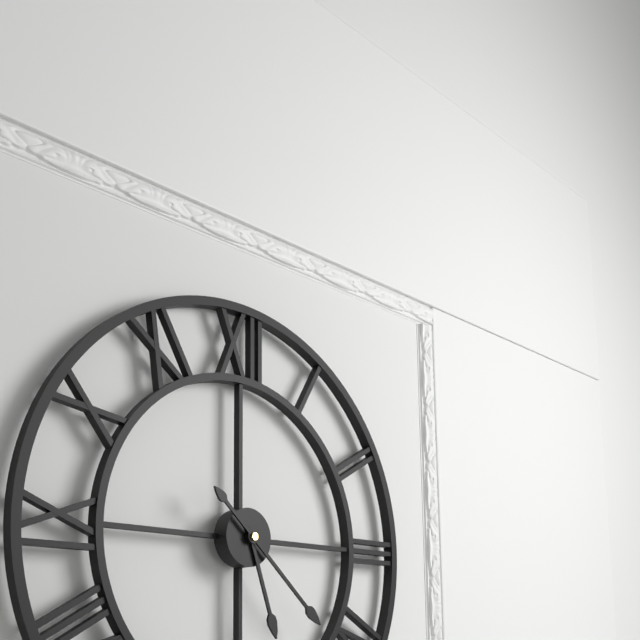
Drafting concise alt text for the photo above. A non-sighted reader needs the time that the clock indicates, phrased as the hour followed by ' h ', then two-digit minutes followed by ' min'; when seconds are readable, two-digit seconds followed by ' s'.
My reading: 5 h 22 min
